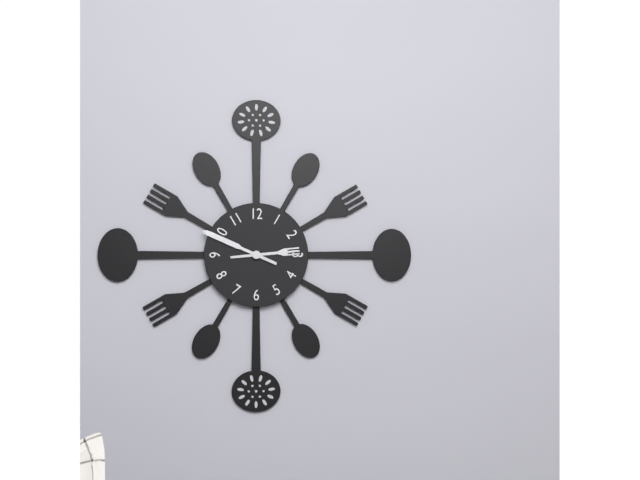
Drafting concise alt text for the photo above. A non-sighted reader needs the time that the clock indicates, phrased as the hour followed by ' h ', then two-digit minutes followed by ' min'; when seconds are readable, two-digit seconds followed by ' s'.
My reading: 2 h 49 min
